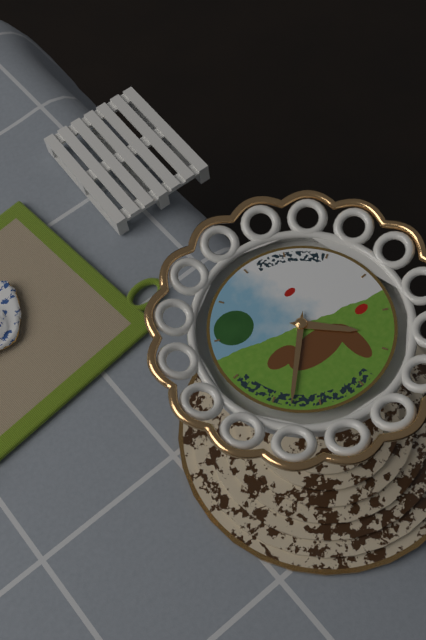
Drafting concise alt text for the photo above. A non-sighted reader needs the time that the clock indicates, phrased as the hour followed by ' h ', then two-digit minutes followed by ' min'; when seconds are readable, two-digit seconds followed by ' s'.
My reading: 4 h 38 min
